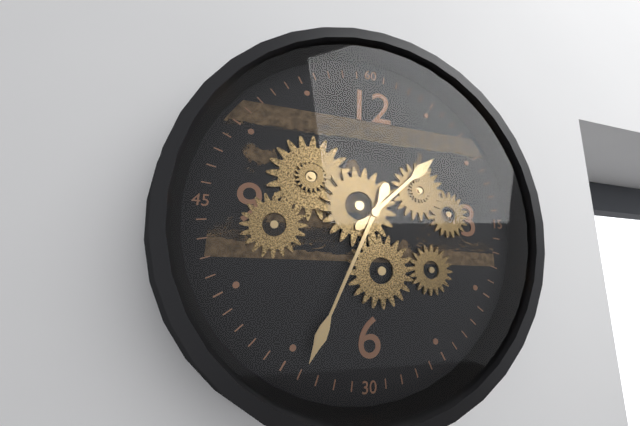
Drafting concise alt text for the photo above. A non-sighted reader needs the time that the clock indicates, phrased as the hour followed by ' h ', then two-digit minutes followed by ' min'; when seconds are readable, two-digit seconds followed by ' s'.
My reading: 1 h 34 min
